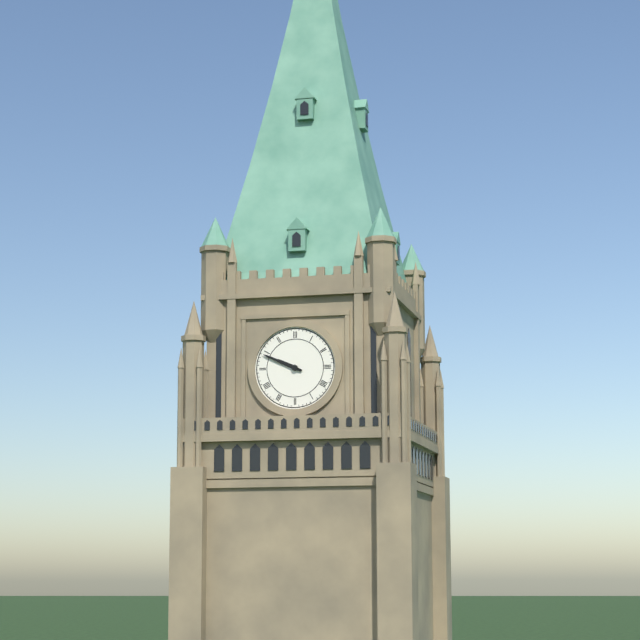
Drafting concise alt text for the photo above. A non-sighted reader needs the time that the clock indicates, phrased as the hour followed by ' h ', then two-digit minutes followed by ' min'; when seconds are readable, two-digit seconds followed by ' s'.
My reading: 9 h 49 min
